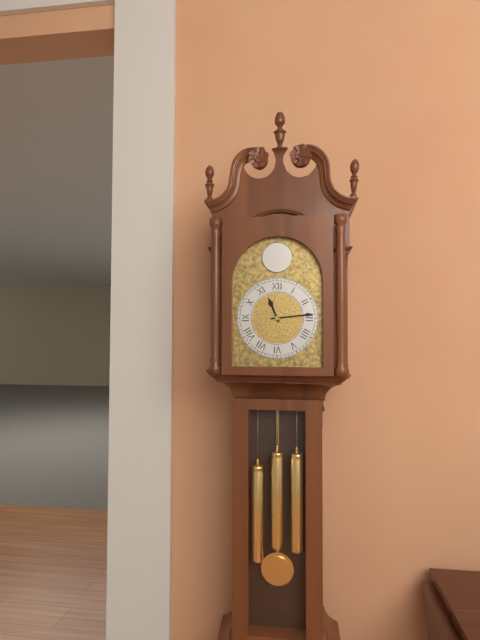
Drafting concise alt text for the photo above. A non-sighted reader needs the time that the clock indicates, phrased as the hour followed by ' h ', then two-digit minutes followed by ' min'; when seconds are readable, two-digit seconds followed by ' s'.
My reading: 11 h 14 min
